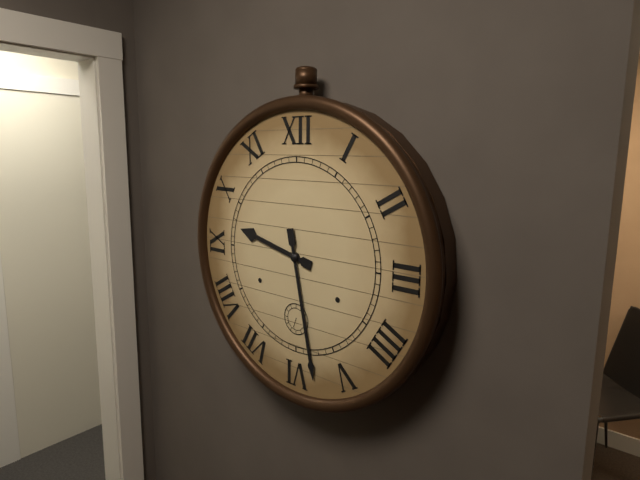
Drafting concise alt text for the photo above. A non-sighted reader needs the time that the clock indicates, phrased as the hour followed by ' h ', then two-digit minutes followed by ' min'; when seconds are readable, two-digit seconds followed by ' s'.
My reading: 9 h 28 min
